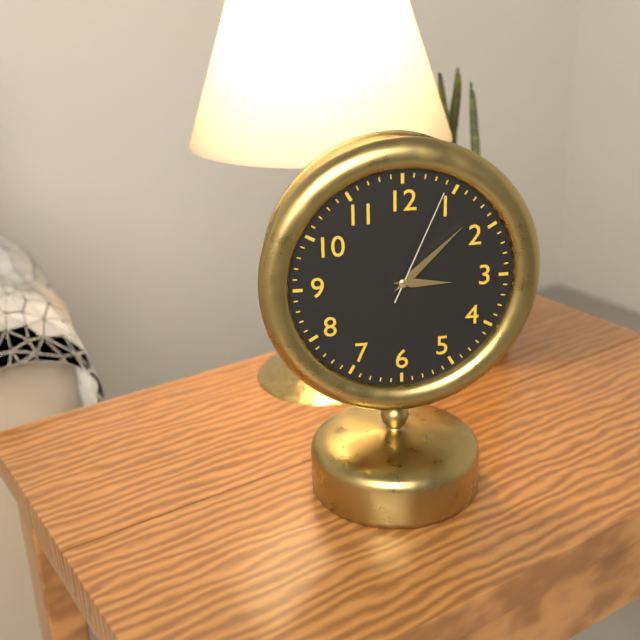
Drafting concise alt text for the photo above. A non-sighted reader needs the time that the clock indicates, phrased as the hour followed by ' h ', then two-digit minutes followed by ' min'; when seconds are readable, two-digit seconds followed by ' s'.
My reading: 3 h 08 min 04 s
